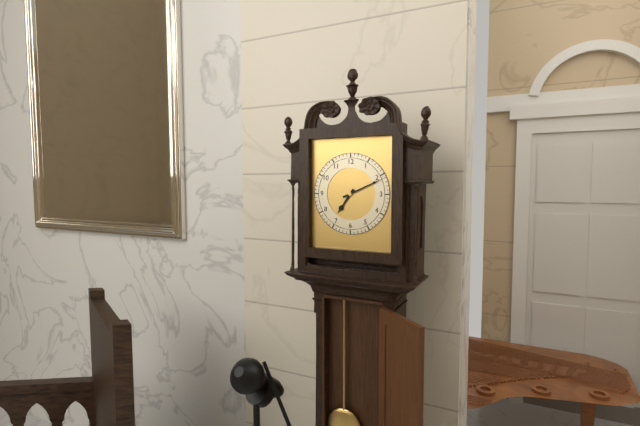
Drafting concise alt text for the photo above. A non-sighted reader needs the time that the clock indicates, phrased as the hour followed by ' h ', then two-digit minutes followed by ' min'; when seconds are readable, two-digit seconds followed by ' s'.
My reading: 7 h 11 min
